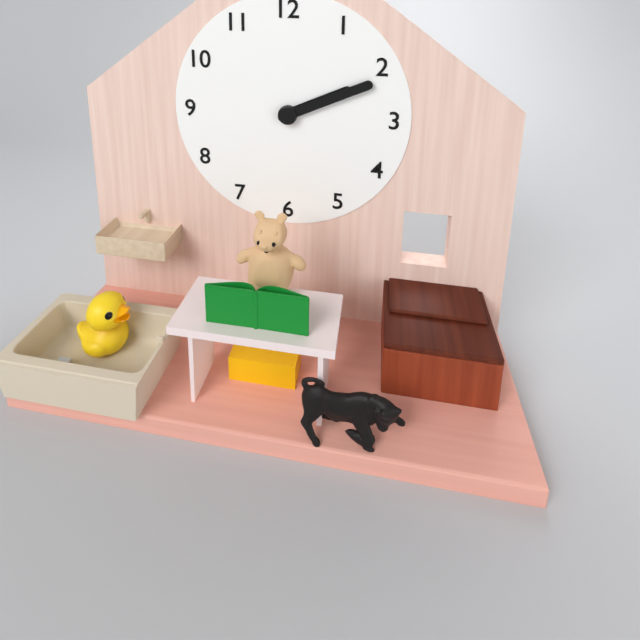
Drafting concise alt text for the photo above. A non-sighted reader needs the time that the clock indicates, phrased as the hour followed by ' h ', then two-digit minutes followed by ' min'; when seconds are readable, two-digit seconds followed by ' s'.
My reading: 2 h 11 min
